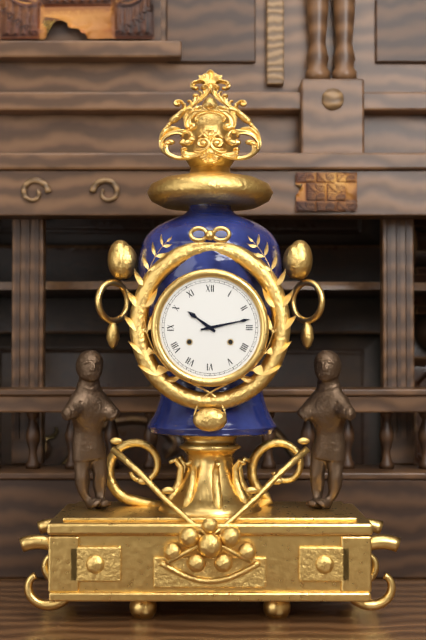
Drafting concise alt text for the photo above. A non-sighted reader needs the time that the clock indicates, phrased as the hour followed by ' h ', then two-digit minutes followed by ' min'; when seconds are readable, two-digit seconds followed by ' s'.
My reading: 10 h 13 min
